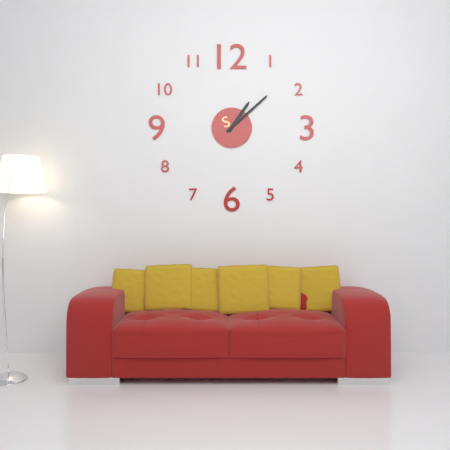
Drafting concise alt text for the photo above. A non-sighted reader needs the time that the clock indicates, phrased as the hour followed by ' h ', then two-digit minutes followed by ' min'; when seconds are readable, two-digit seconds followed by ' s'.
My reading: 1 h 08 min
